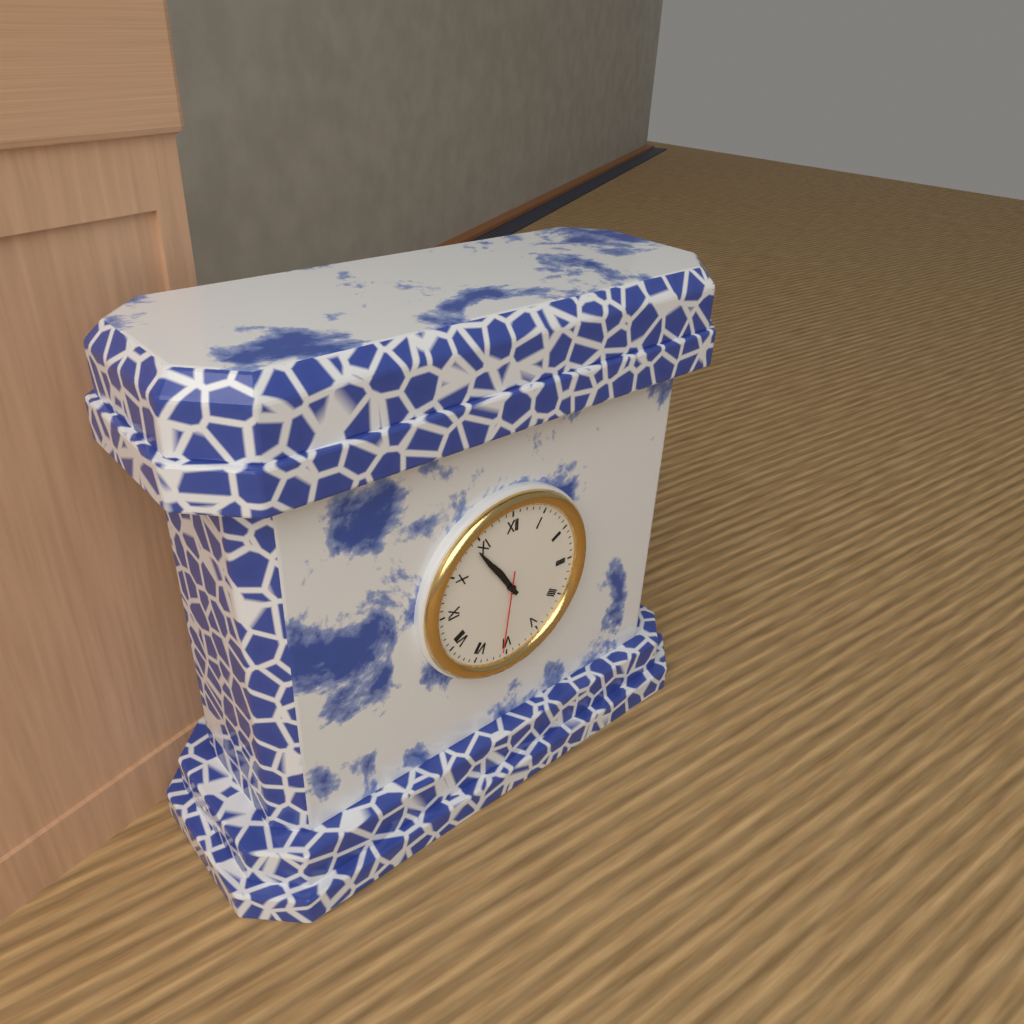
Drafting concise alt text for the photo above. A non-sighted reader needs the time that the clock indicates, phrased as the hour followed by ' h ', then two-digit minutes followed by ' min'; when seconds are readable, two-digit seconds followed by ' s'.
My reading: 10 h 54 min 31 s
